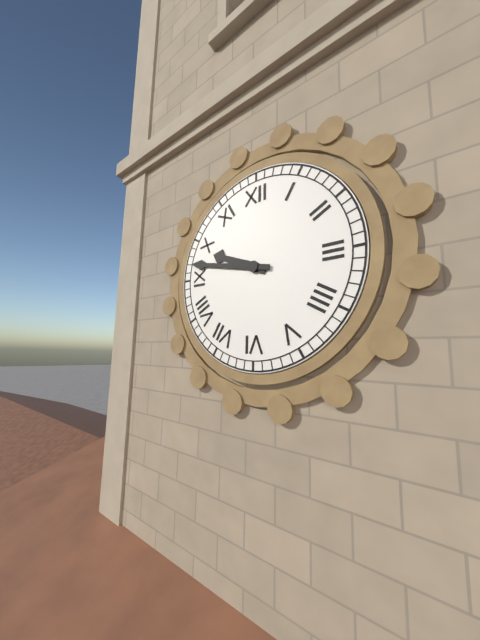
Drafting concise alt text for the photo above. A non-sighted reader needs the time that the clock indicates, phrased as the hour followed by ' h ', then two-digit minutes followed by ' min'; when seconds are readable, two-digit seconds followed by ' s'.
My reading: 9 h 47 min
